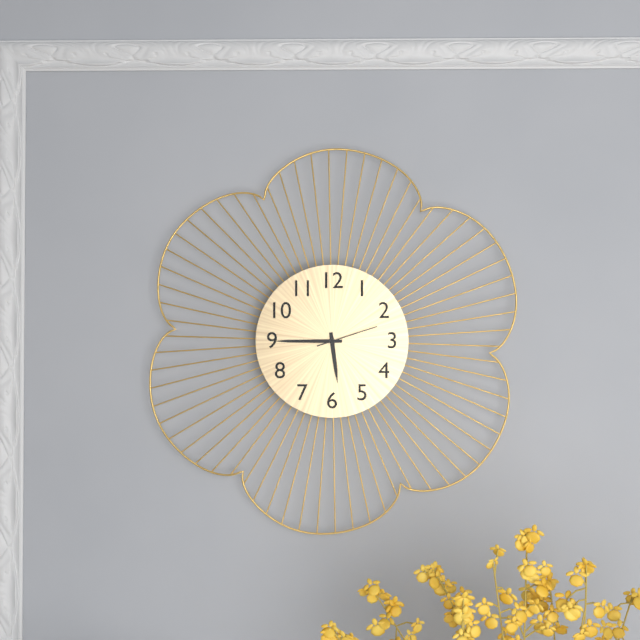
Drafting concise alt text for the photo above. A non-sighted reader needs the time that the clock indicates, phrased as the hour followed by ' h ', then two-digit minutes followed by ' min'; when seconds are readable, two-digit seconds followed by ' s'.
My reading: 5 h 45 min 12 s
